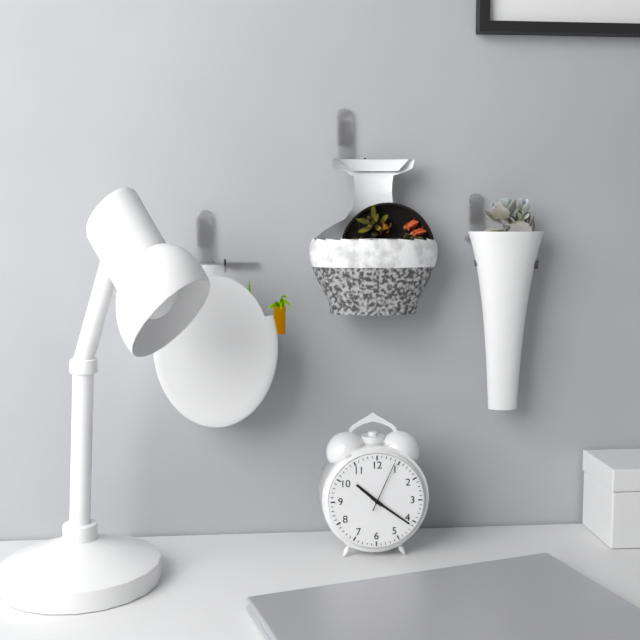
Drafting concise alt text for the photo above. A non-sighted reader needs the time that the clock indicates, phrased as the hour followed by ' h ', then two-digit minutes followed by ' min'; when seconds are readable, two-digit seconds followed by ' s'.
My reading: 10 h 21 min 04 s
